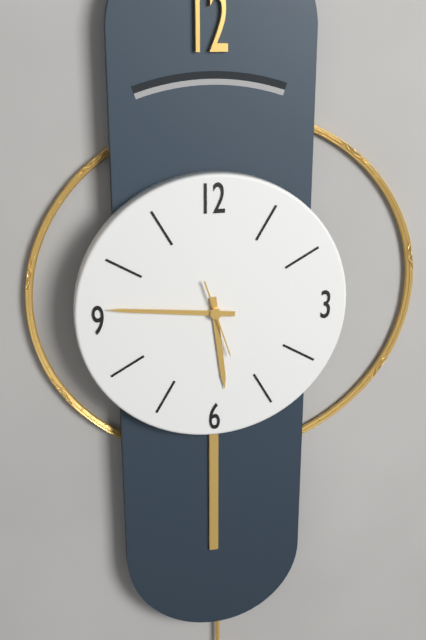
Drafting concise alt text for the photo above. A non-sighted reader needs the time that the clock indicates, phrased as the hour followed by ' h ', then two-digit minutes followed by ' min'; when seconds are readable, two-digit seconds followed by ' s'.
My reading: 5 h 46 min 27 s
